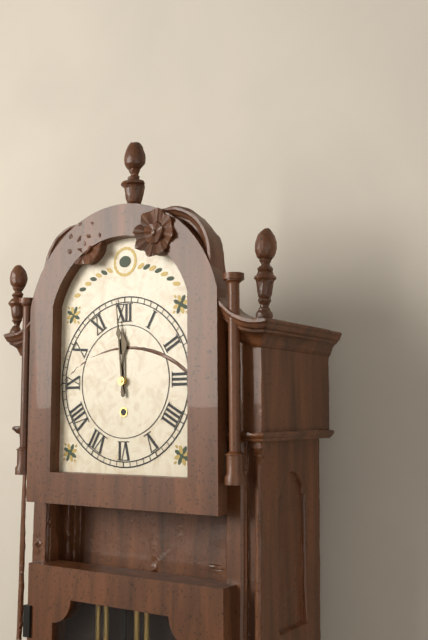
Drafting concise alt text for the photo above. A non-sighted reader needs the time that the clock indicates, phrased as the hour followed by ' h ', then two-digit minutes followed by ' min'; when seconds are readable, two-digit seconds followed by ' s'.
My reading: 11 h 59 min
